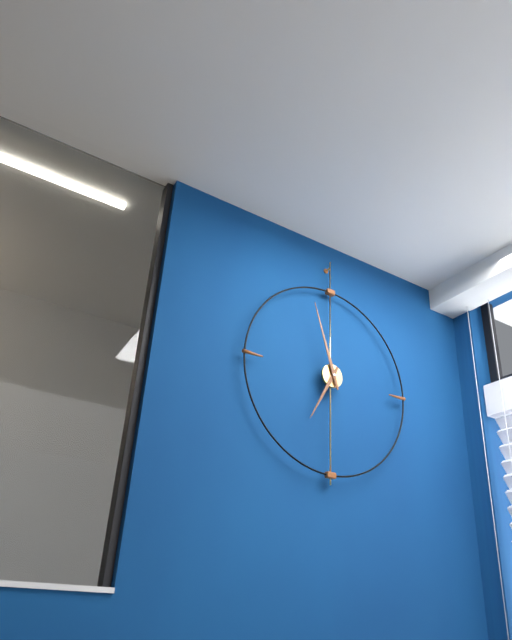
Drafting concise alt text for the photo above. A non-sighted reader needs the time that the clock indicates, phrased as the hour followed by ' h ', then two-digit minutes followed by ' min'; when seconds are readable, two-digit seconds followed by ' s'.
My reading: 6 h 57 min
